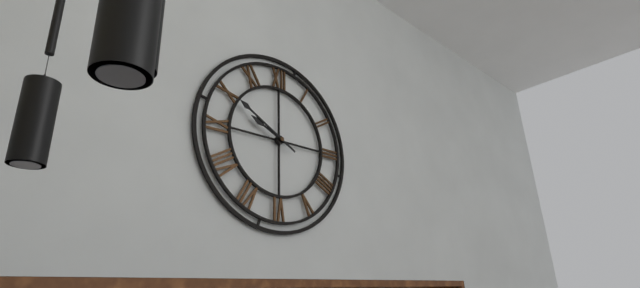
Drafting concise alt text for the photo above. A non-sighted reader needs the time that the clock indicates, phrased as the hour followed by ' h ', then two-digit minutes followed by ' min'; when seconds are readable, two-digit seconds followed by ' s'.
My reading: 9 h 50 min
